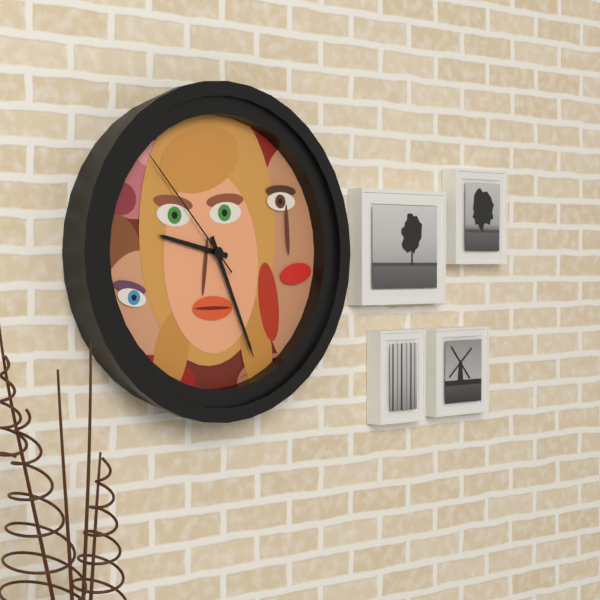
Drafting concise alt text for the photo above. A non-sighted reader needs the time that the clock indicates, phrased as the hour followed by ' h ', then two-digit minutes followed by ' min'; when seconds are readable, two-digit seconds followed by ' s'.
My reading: 9 h 26 min 53 s
